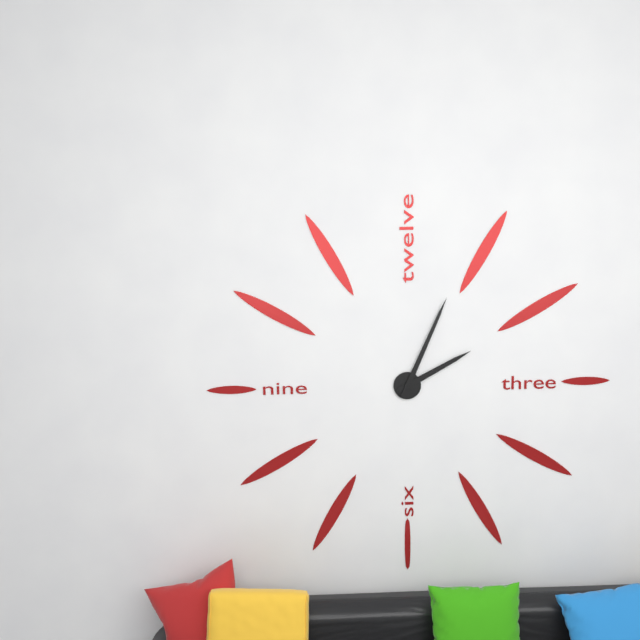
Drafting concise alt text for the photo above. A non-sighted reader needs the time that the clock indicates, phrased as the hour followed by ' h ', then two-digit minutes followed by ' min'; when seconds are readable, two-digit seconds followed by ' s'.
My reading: 2 h 04 min
